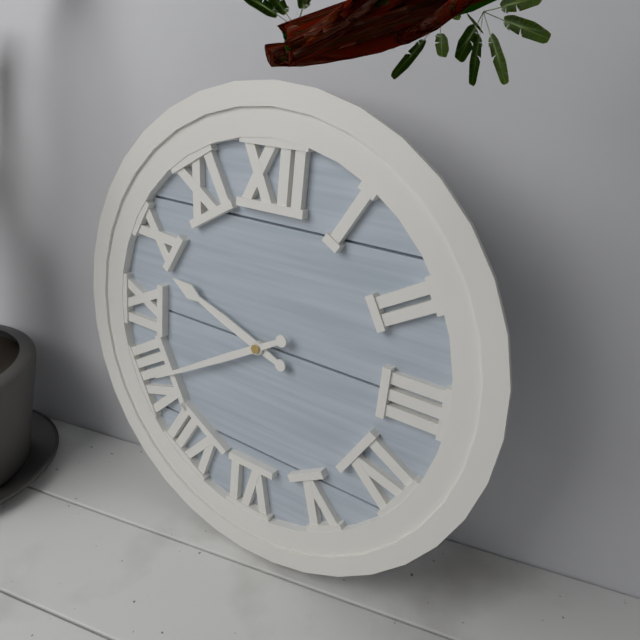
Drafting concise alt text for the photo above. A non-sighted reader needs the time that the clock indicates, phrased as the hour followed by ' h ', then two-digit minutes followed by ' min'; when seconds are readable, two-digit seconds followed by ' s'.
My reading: 9 h 40 min
